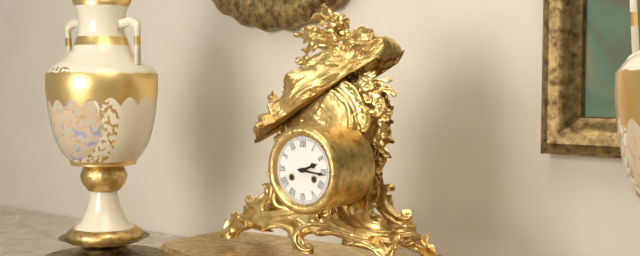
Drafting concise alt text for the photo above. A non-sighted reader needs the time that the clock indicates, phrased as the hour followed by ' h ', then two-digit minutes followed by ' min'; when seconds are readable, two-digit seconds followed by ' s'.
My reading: 2 h 16 min
